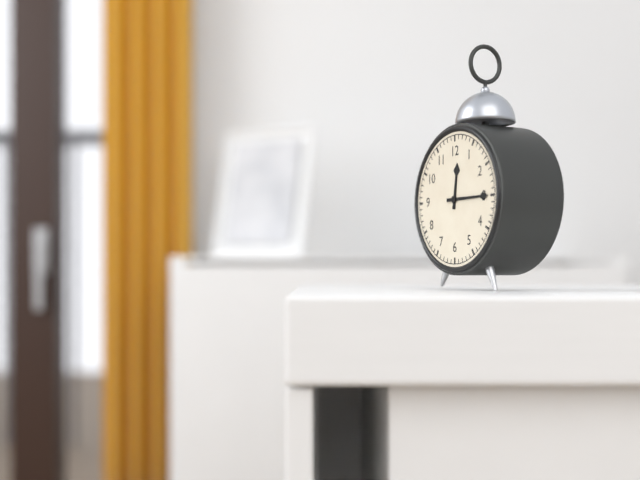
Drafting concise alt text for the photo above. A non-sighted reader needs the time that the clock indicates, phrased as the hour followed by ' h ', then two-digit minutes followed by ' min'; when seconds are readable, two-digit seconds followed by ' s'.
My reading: 12 h 15 min
